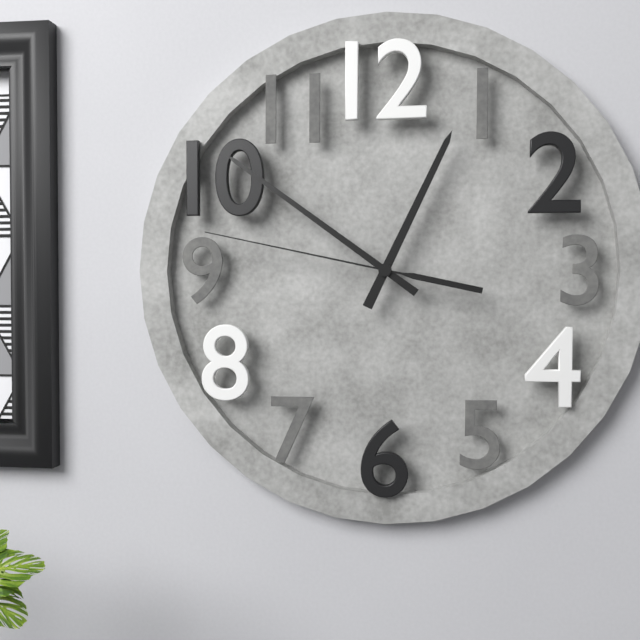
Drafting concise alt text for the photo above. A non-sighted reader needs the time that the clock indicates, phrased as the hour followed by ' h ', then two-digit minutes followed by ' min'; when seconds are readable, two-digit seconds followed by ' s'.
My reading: 12 h 51 min 47 s
